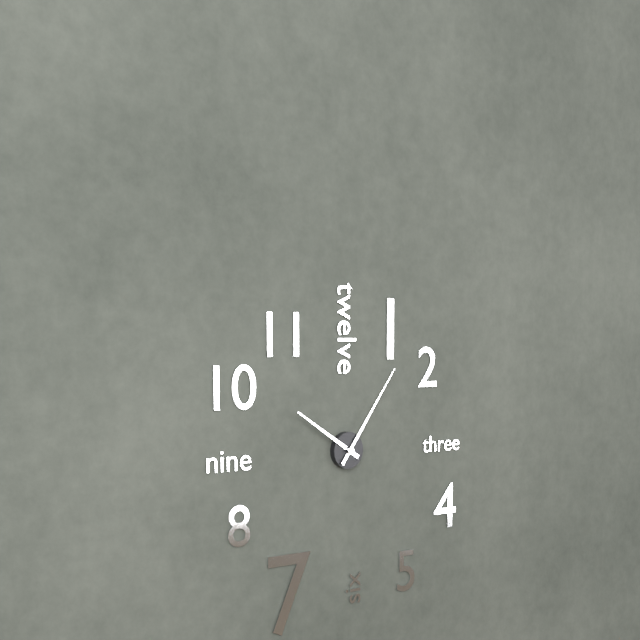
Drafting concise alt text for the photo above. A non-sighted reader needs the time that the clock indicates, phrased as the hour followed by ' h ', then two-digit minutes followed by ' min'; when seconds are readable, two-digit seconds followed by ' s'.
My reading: 10 h 06 min
